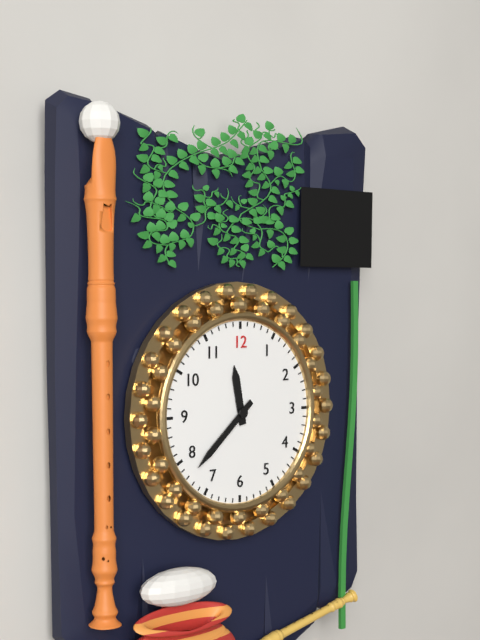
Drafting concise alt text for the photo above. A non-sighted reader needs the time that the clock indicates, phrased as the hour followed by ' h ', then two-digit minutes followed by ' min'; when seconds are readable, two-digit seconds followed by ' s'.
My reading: 11 h 38 min
